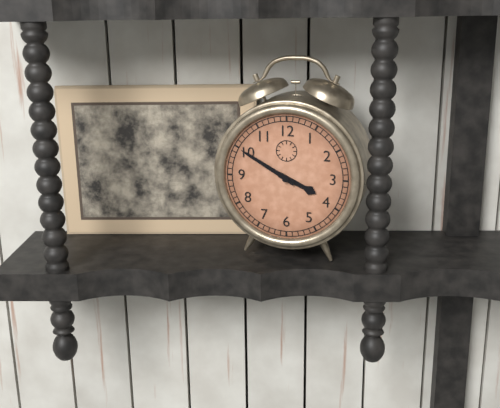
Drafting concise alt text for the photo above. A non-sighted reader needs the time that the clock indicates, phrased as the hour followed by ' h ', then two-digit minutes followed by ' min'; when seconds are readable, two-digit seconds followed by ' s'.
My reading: 3 h 50 min
